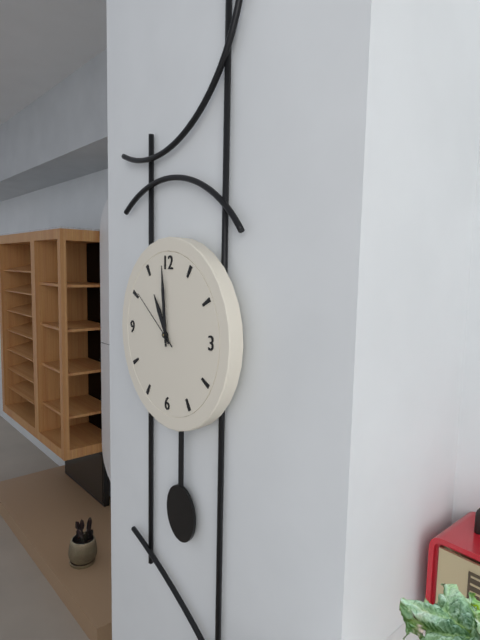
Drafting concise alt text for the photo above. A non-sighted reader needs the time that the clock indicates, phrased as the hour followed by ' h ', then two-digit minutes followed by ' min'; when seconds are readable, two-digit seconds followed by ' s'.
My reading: 10 h 59 min 51 s
